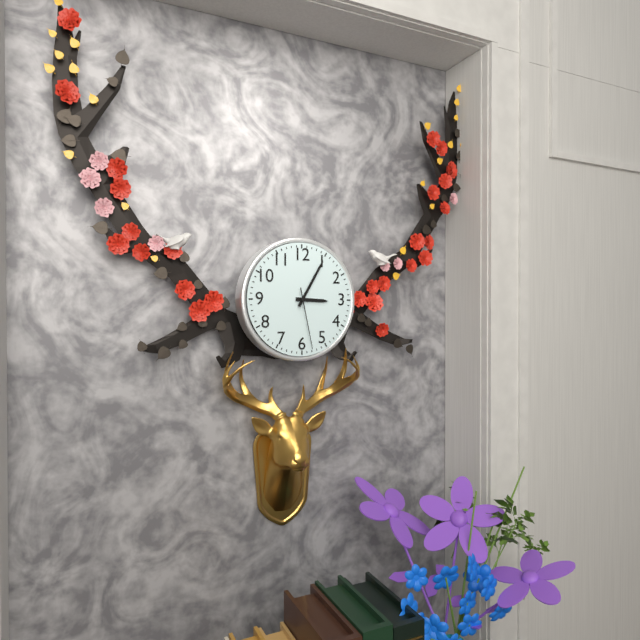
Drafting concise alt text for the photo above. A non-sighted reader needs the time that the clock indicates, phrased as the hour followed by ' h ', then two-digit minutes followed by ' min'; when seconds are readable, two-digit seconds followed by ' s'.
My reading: 3 h 05 min 28 s
